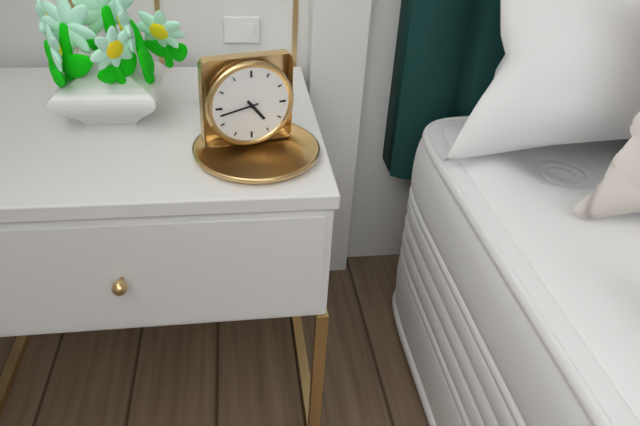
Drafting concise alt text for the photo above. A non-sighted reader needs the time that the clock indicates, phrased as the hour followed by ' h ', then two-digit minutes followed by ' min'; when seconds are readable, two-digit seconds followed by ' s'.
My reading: 4 h 43 min
